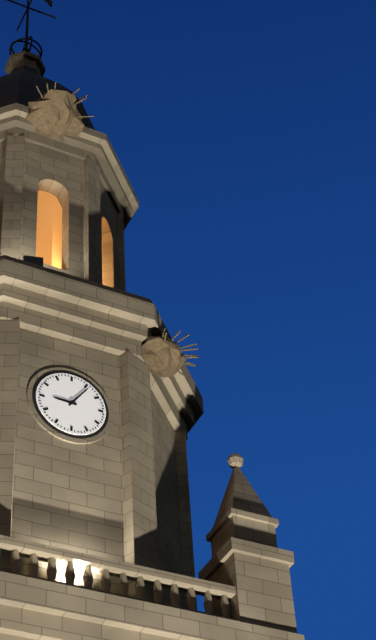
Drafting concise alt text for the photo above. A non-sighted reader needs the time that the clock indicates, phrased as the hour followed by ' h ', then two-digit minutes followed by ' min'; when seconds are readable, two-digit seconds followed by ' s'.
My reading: 9 h 06 min
